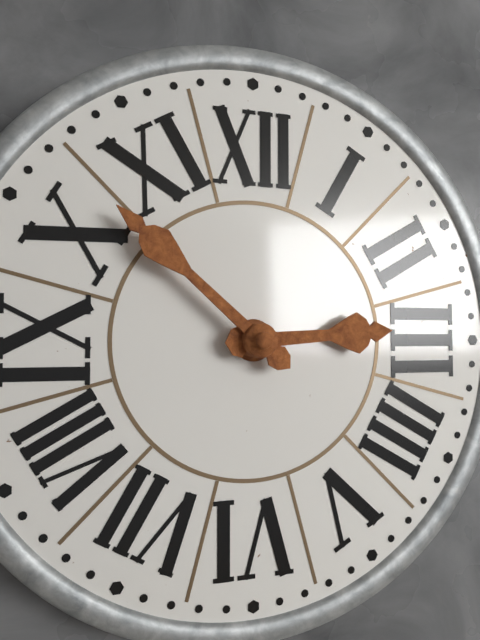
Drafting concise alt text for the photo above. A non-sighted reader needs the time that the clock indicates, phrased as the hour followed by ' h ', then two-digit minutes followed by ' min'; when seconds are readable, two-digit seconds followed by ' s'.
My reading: 2 h 52 min
